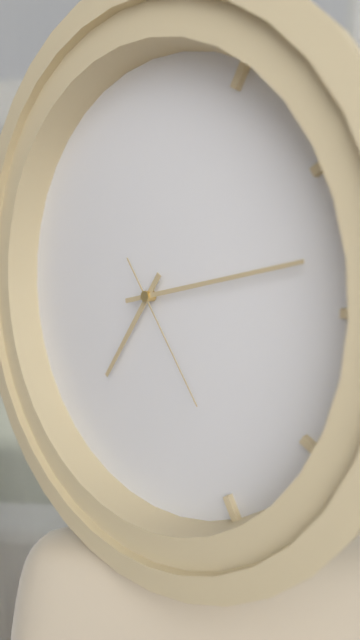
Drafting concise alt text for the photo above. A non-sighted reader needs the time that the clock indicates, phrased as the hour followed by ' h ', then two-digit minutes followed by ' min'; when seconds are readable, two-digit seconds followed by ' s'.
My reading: 7 h 13 min 24 s
